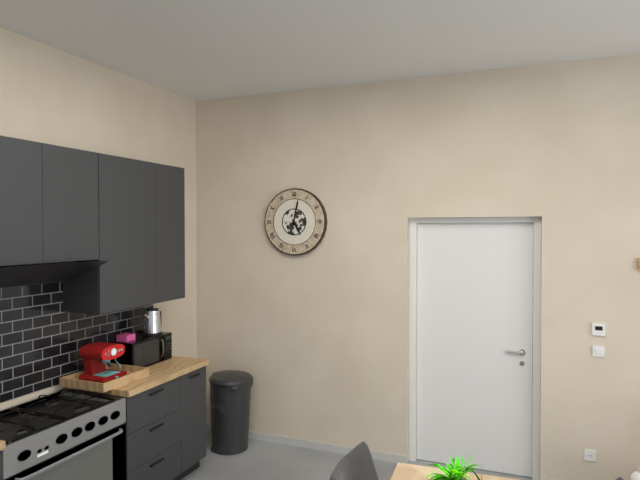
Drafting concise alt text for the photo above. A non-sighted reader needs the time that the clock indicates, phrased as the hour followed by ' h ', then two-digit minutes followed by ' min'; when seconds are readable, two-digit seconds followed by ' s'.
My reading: 5 h 02 min
